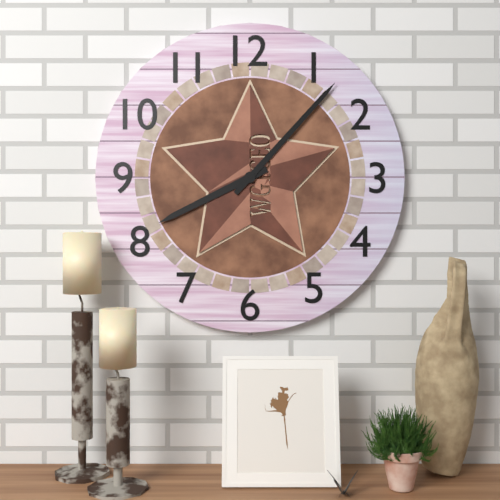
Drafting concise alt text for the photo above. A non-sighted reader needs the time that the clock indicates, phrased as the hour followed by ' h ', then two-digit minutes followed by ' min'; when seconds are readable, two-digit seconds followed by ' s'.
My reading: 8 h 07 min
